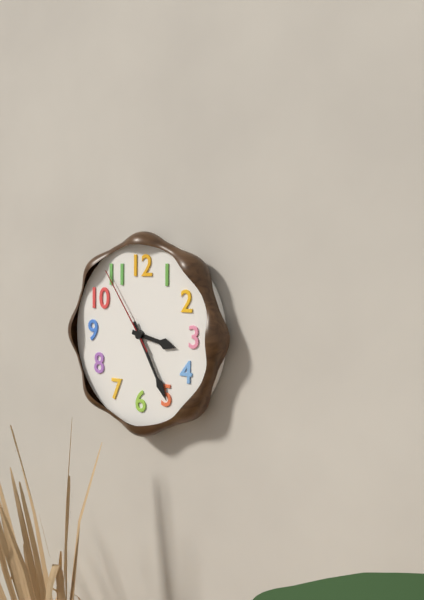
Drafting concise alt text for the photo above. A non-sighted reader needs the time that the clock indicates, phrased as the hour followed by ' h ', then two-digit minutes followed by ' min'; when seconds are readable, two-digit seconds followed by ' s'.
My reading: 3 h 25 min 54 s
